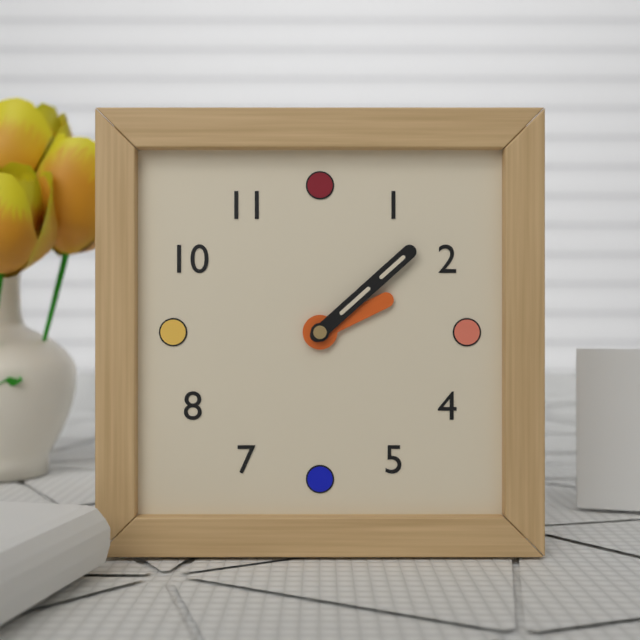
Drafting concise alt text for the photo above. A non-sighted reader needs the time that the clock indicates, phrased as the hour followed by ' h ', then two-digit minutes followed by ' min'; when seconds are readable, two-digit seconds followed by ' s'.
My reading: 2 h 08 min
